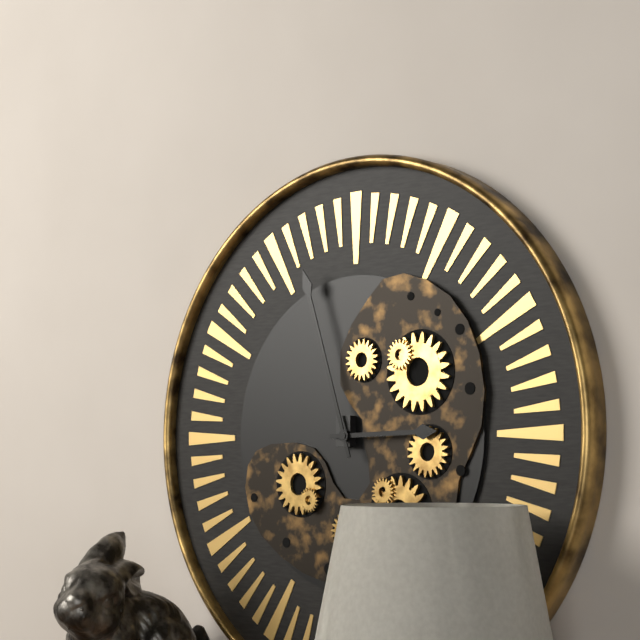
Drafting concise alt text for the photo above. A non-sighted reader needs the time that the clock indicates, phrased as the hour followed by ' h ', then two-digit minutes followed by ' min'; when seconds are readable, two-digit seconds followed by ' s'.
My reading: 2 h 57 min
